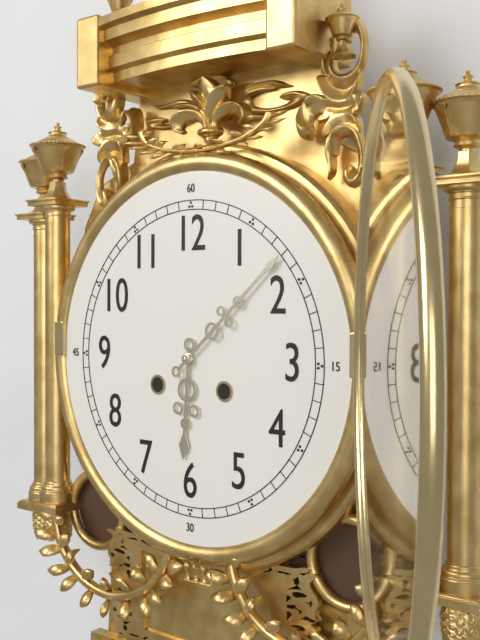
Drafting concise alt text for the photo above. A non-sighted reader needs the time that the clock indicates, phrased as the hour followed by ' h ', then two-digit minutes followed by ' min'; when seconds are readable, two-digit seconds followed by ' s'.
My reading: 6 h 08 min
